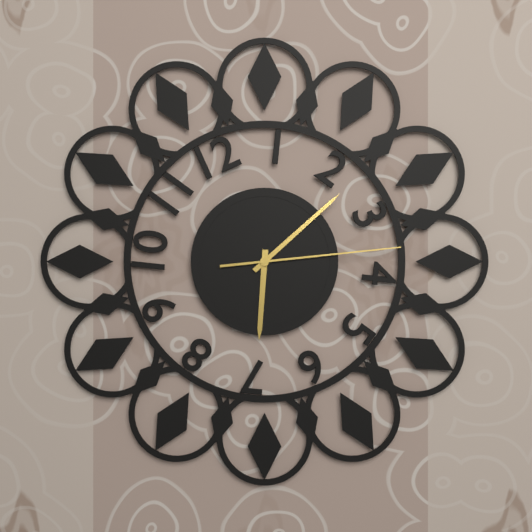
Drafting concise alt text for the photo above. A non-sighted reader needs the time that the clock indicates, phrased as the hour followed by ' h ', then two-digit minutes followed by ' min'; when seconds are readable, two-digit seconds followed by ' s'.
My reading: 6 h 08 min 14 s
